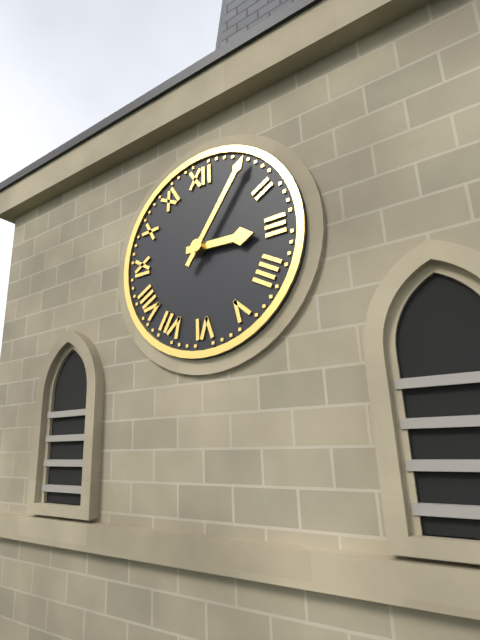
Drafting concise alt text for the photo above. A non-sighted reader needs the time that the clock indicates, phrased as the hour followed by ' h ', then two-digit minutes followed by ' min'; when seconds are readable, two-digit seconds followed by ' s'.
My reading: 3 h 06 min
